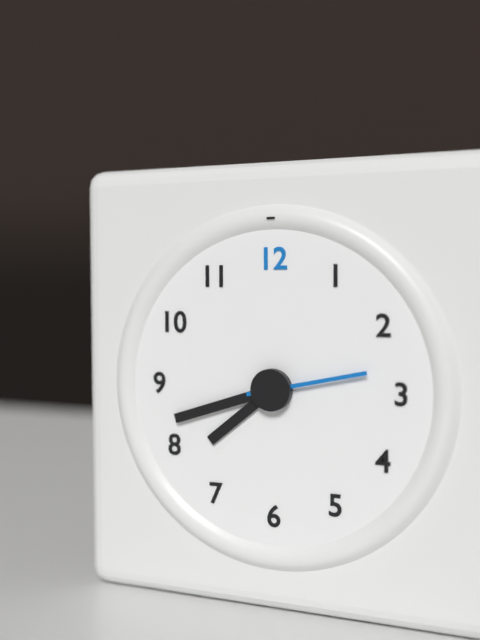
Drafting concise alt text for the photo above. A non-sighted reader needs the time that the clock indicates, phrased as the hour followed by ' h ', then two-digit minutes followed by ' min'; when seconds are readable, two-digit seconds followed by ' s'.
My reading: 7 h 42 min 13 s
